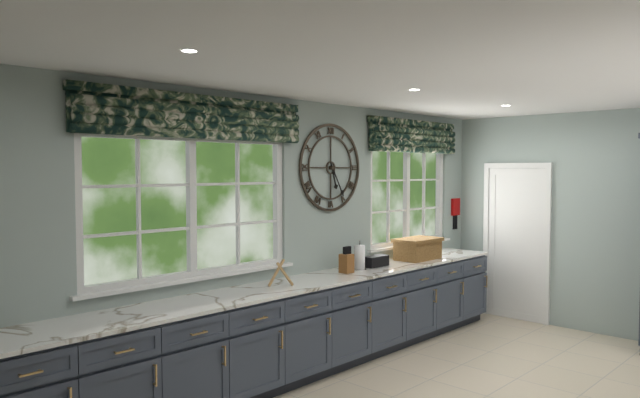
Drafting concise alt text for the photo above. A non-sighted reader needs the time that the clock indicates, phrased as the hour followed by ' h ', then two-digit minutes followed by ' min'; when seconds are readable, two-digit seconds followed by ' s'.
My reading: 5 h 25 min
